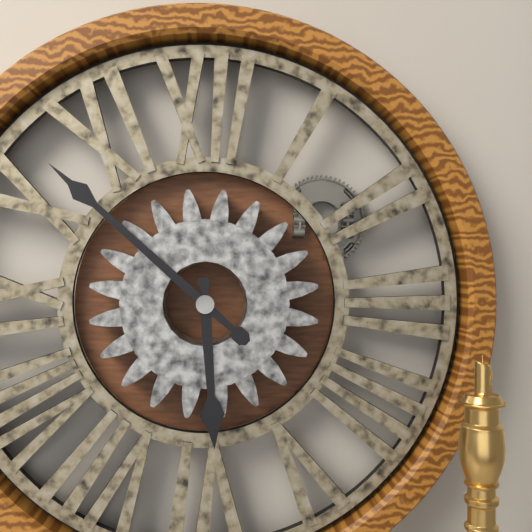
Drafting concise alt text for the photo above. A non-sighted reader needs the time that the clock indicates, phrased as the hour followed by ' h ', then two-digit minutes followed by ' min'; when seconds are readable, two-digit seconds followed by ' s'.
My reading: 5 h 52 min
